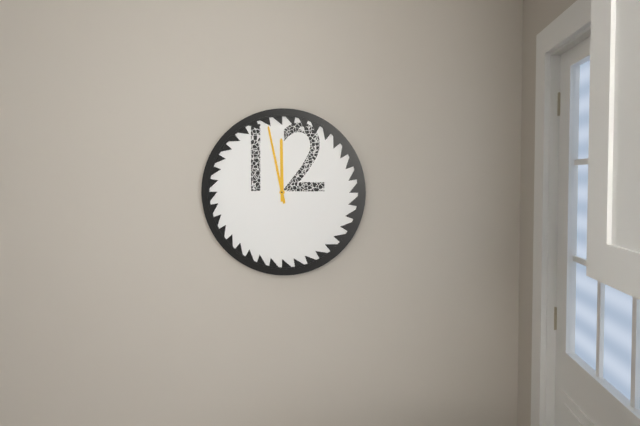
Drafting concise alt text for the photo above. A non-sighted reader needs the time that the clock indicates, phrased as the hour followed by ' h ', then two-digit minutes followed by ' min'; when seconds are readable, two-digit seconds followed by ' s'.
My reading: 11 h 58 min
